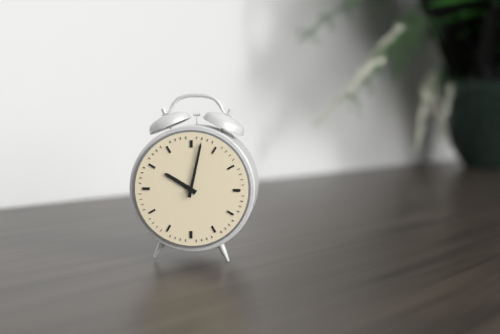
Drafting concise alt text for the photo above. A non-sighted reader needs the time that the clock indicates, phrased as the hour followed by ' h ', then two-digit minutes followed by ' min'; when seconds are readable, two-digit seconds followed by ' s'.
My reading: 10 h 02 min
